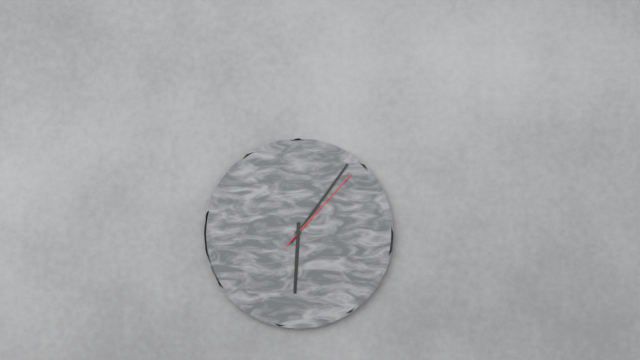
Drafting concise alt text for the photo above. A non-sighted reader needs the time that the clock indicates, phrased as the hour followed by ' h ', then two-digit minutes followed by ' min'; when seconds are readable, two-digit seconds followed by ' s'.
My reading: 6 h 06 min 07 s
